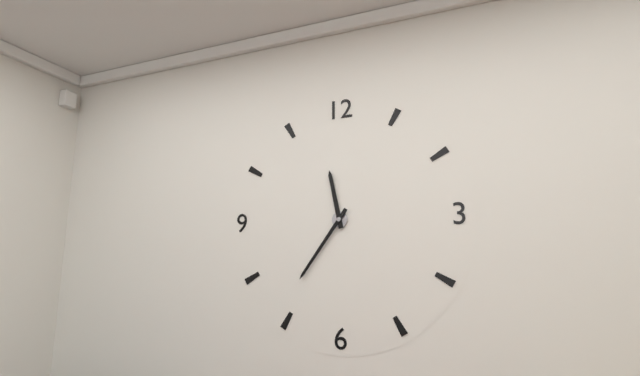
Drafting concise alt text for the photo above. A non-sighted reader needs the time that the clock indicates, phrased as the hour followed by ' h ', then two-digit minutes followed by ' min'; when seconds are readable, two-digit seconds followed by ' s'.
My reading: 11 h 36 min
